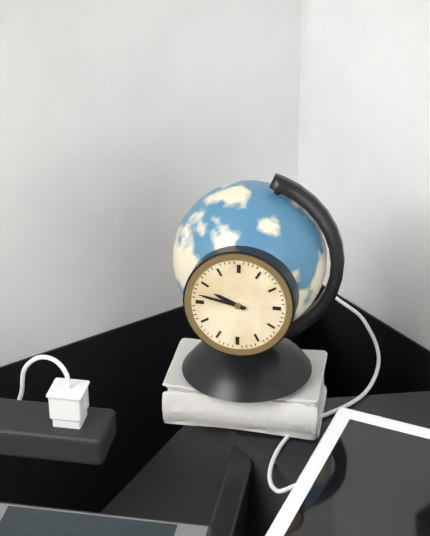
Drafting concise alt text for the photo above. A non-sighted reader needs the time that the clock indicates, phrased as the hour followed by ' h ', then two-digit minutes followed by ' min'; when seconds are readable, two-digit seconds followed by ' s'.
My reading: 9 h 47 min
